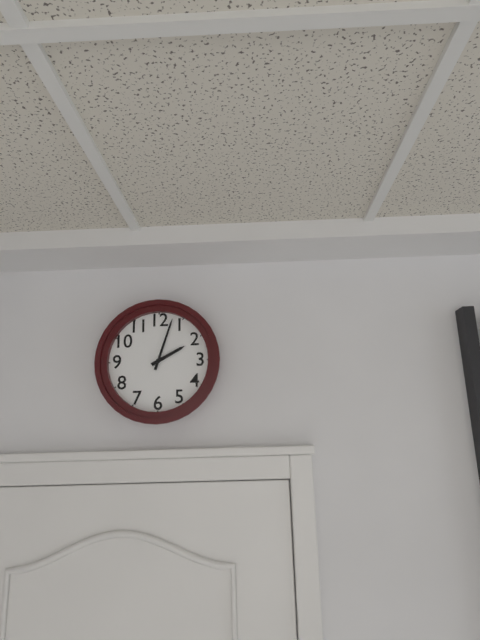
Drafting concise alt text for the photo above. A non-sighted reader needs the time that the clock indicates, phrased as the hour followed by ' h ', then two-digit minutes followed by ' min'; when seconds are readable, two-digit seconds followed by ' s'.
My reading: 2 h 03 min
